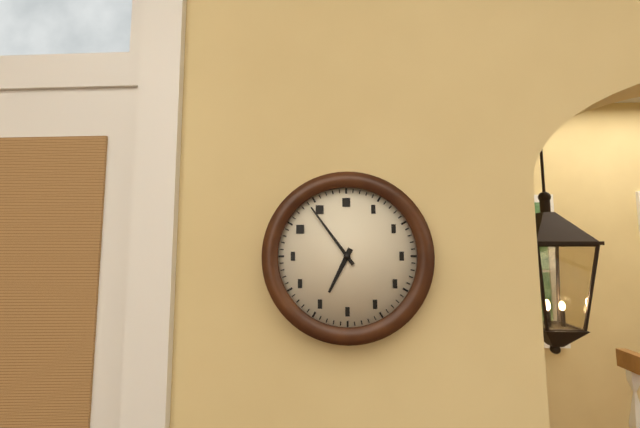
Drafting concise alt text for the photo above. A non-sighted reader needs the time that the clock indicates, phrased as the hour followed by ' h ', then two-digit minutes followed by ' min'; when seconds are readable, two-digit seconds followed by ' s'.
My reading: 6 h 54 min
